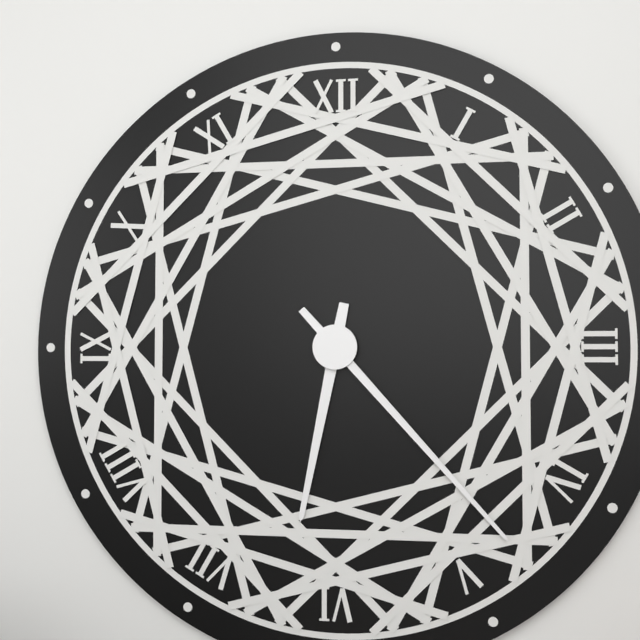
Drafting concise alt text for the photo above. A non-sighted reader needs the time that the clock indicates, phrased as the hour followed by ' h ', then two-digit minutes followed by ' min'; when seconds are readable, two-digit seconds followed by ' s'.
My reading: 6 h 23 min
